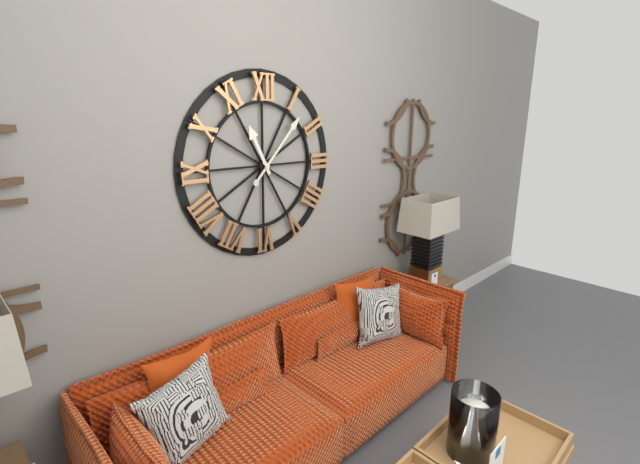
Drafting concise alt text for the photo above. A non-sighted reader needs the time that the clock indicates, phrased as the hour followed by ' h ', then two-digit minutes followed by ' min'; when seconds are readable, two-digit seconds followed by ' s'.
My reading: 11 h 07 min
